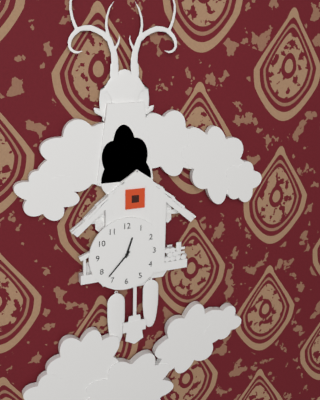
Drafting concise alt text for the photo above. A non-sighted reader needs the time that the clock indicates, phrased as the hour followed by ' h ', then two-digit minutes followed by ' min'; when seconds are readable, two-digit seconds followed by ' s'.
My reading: 12 h 37 min
